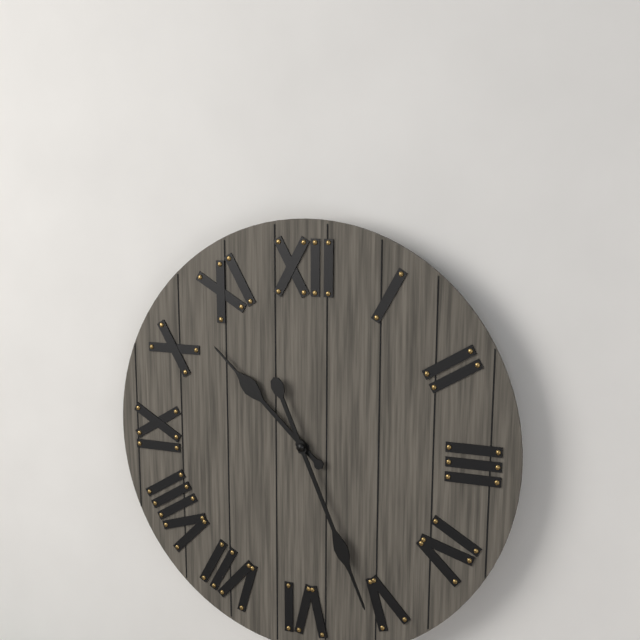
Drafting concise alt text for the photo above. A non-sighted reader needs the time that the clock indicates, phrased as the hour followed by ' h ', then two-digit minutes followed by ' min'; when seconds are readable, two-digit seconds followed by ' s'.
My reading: 10 h 26 min
